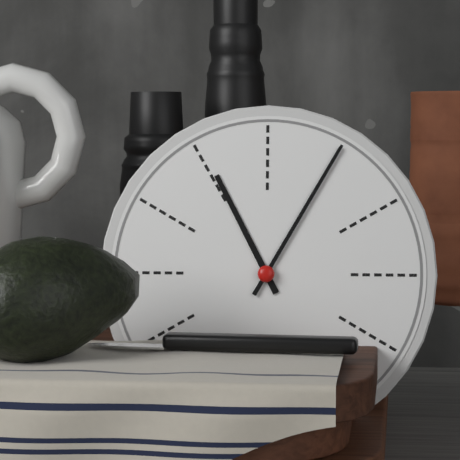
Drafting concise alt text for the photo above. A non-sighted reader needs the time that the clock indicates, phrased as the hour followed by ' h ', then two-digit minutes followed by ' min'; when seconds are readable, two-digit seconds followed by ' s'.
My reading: 11 h 05 min
